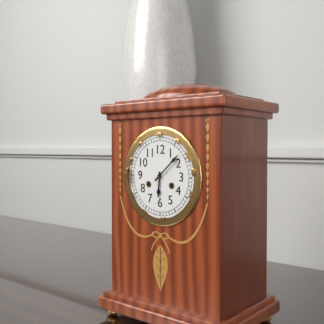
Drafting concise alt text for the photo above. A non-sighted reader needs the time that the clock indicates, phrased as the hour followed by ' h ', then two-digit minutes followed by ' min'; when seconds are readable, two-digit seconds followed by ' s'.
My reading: 6 h 08 min
